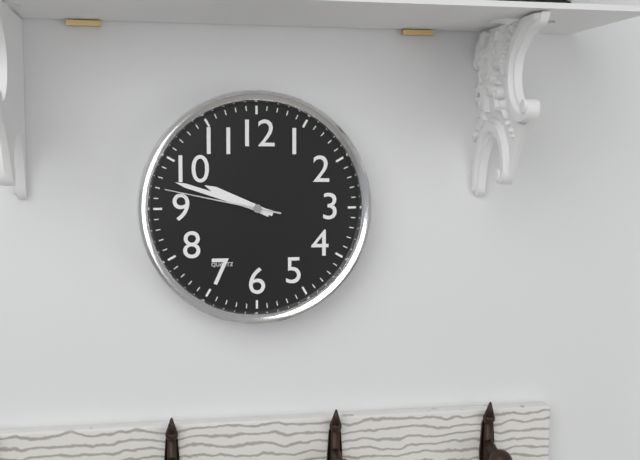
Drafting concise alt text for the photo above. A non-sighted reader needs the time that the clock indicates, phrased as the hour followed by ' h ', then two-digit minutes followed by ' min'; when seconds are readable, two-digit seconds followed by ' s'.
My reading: 9 h 48 min 47 s
